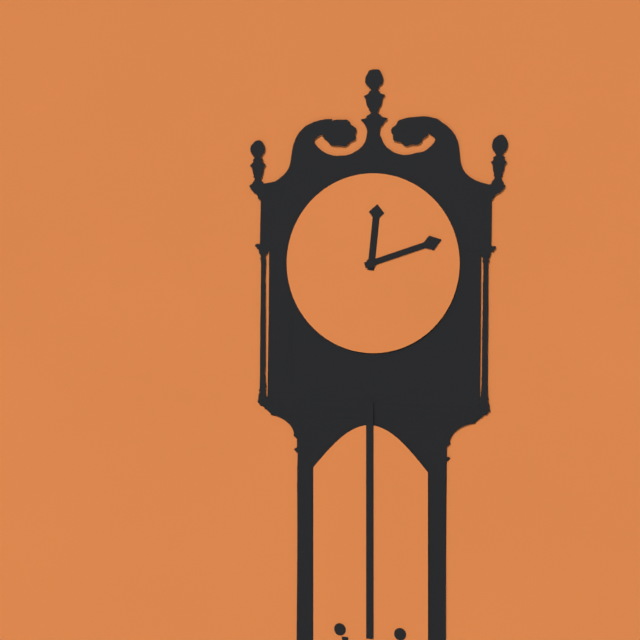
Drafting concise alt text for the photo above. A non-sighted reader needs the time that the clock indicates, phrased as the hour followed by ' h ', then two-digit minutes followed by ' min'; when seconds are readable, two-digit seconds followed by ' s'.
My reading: 12 h 12 min
